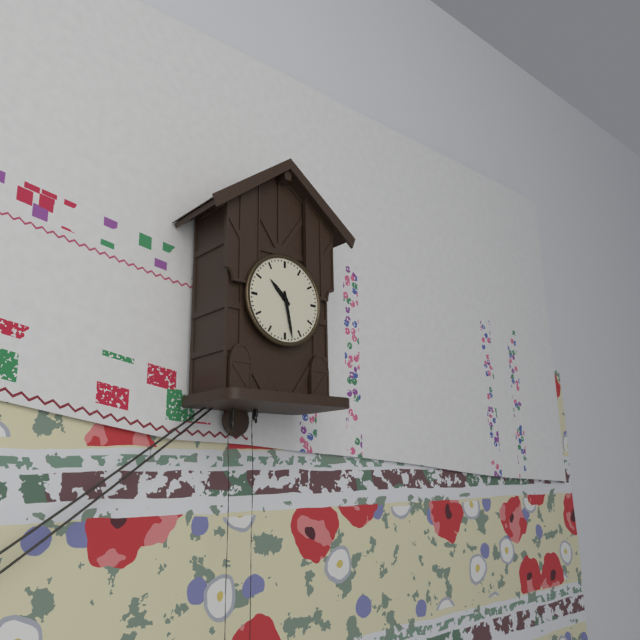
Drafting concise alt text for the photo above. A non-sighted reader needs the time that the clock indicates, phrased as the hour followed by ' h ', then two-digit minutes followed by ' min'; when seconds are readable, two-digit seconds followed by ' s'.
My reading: 10 h 28 min
